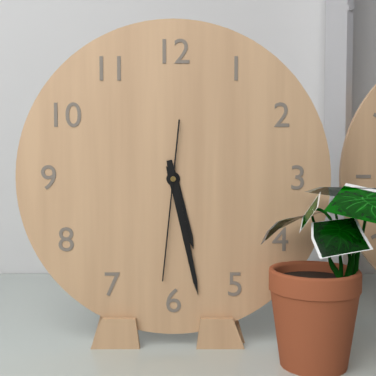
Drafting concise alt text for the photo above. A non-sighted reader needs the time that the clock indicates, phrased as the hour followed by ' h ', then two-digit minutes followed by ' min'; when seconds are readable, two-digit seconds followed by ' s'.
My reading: 5 h 28 min 31 s
